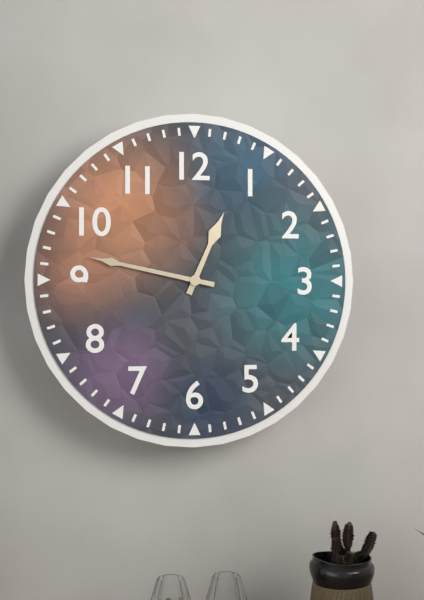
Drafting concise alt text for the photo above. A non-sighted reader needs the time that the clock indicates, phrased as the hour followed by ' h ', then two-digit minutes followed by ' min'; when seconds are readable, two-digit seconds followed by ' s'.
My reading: 12 h 47 min
